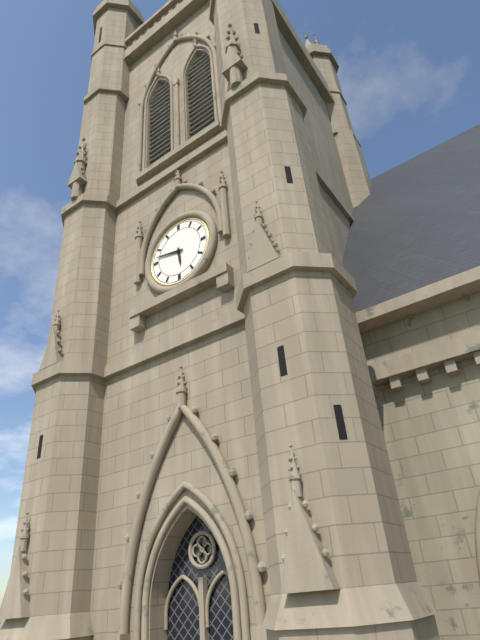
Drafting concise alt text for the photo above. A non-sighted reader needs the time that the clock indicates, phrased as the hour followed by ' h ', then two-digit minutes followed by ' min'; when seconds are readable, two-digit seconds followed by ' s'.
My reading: 5 h 47 min
